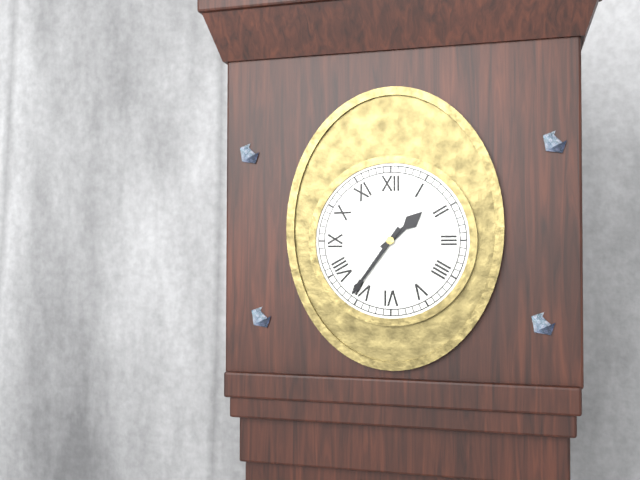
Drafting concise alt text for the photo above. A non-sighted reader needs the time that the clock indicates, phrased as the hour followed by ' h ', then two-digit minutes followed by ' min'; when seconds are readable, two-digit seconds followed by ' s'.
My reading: 1 h 36 min
